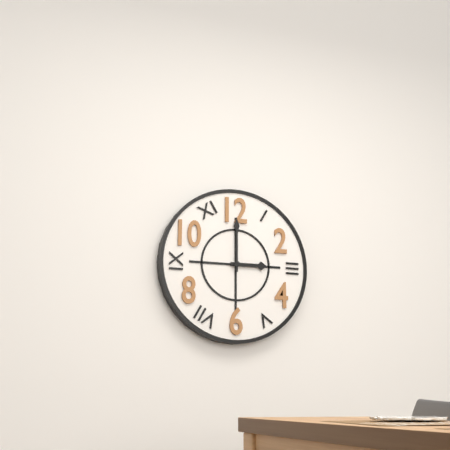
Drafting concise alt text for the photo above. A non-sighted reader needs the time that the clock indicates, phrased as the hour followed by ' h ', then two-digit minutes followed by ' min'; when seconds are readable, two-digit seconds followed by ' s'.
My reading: 3 h 00 min
